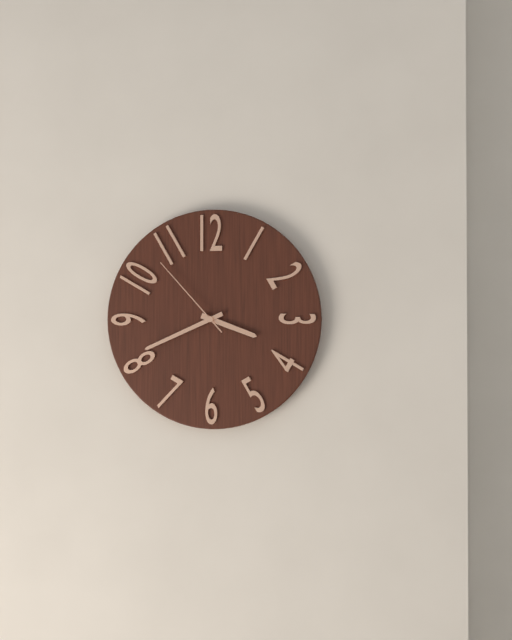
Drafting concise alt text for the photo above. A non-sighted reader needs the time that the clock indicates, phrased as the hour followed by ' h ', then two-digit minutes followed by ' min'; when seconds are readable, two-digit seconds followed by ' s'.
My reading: 3 h 41 min 53 s
